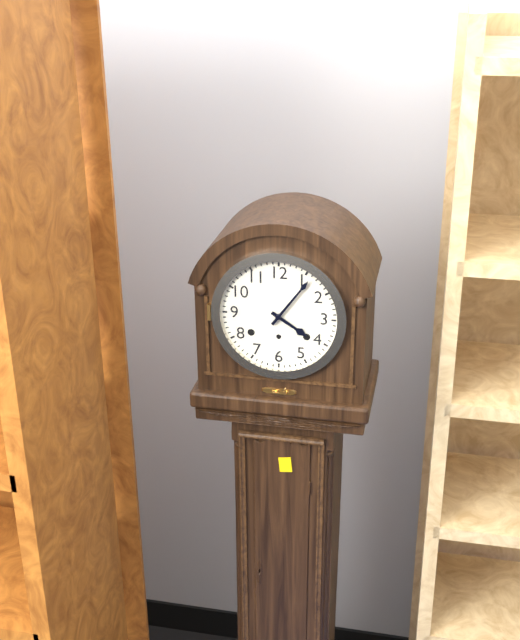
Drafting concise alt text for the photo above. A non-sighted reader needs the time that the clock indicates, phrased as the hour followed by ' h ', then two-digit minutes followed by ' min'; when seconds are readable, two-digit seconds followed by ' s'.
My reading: 4 h 06 min
